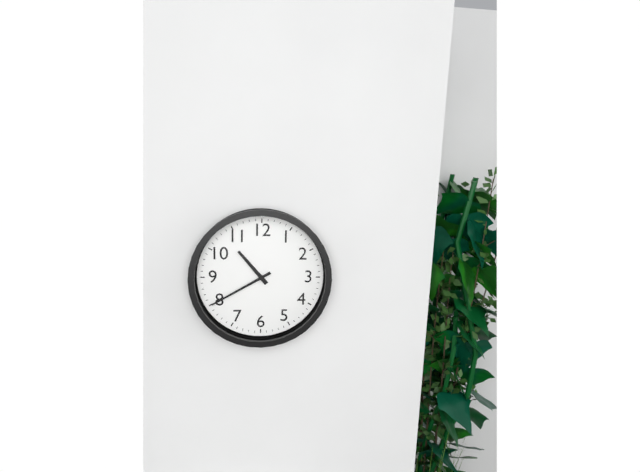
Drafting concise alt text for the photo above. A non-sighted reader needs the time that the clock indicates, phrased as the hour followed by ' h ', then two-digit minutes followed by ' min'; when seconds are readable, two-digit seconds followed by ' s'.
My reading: 10 h 40 min
